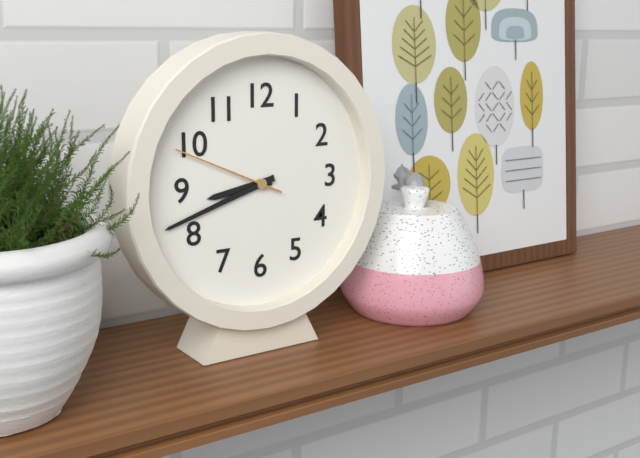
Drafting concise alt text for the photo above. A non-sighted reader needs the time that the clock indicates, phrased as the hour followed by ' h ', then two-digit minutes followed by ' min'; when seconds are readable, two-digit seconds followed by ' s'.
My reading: 8 h 42 min 49 s
